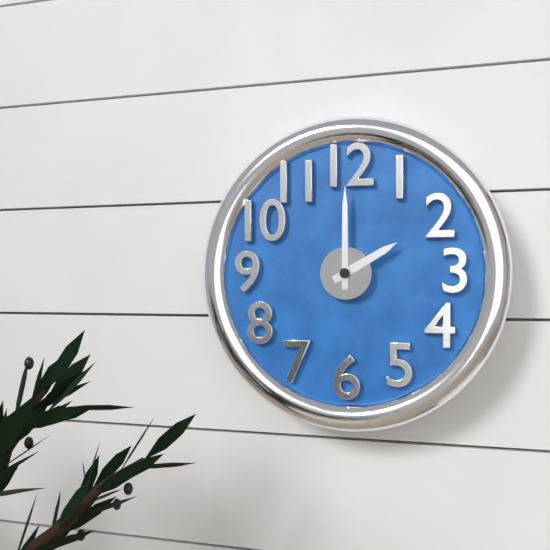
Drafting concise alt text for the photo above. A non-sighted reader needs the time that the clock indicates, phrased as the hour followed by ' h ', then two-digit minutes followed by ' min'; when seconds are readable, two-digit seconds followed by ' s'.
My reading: 2 h 00 min
